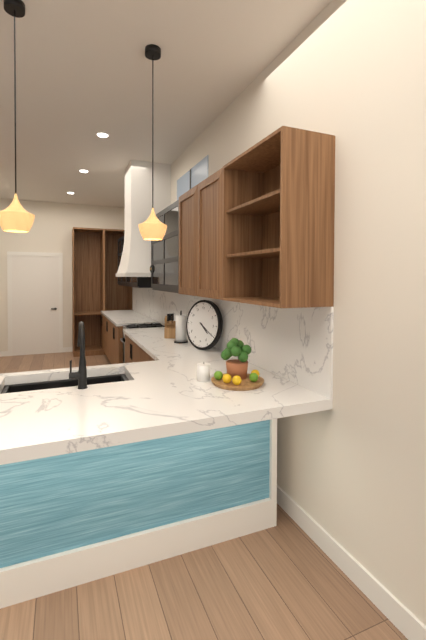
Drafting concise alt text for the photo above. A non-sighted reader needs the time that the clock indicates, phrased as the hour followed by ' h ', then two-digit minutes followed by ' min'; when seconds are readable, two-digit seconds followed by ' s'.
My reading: 4 h 20 min
